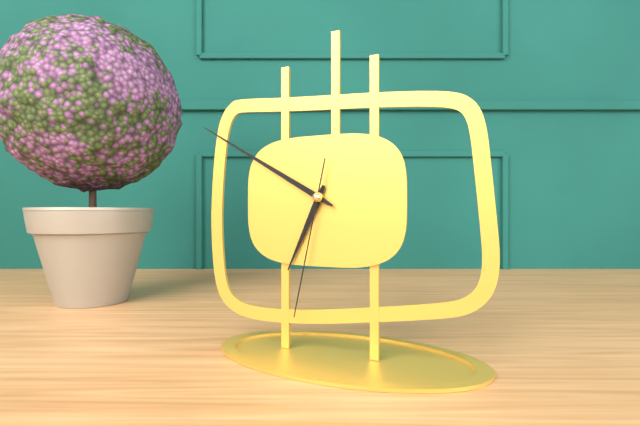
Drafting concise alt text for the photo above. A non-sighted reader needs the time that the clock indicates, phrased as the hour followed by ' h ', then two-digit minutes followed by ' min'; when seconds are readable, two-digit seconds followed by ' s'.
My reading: 6 h 50 min 32 s
